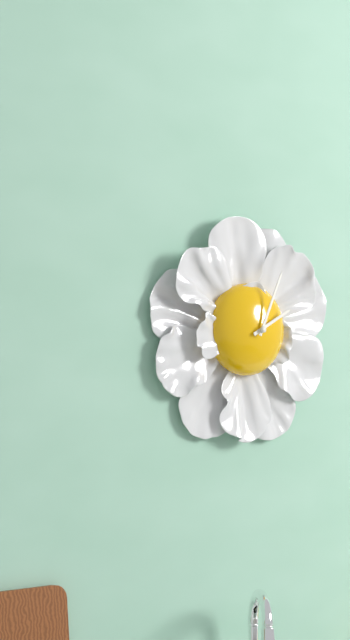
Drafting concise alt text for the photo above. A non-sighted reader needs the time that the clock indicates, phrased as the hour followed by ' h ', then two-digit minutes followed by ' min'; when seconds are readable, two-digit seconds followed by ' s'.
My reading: 2 h 04 min
